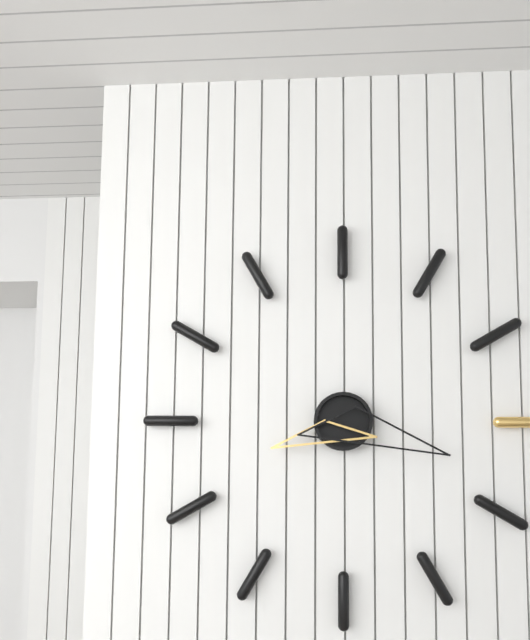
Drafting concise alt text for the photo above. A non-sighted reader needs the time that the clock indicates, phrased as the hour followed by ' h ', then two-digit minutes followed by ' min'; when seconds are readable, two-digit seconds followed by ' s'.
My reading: 8 h 18 min
